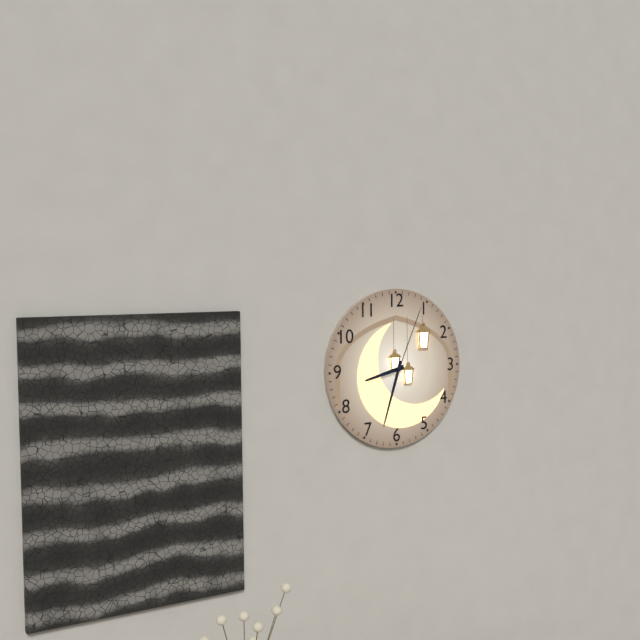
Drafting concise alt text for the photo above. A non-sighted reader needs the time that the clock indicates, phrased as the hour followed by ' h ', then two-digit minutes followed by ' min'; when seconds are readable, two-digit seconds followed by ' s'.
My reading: 8 h 33 min 04 s
